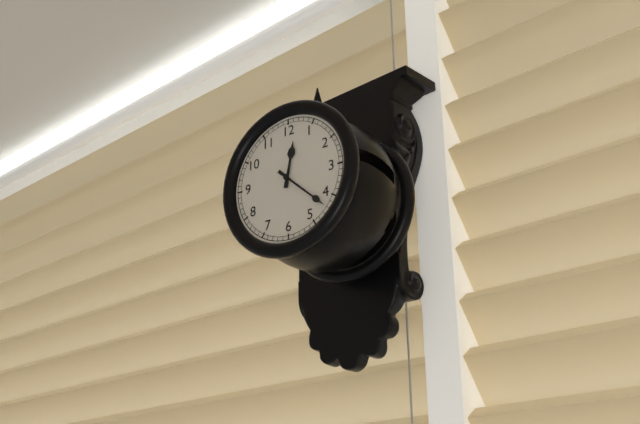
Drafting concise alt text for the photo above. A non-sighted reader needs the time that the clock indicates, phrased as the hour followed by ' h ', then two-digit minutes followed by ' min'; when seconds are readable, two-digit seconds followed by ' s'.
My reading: 12 h 22 min
